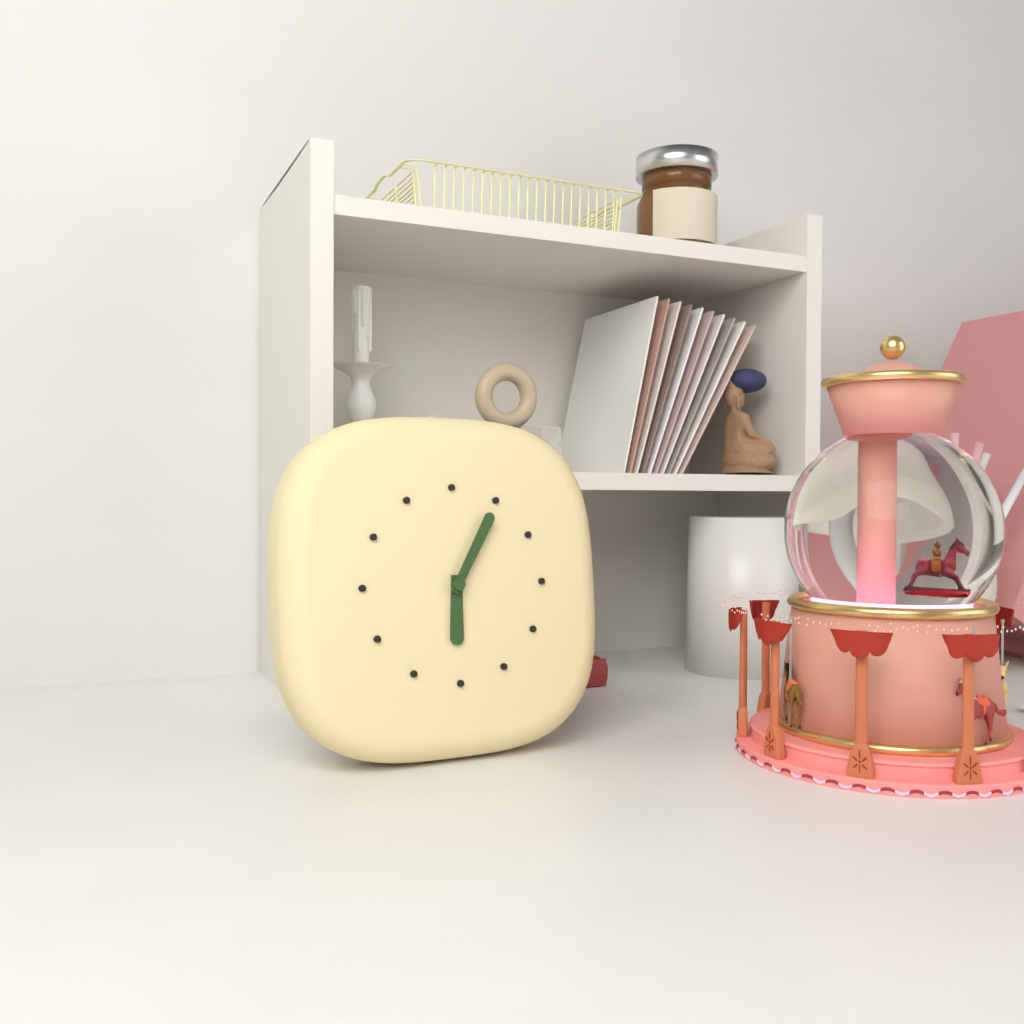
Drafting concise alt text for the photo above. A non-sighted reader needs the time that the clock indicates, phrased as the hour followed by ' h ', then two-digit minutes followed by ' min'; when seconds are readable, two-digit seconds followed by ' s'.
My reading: 6 h 05 min
